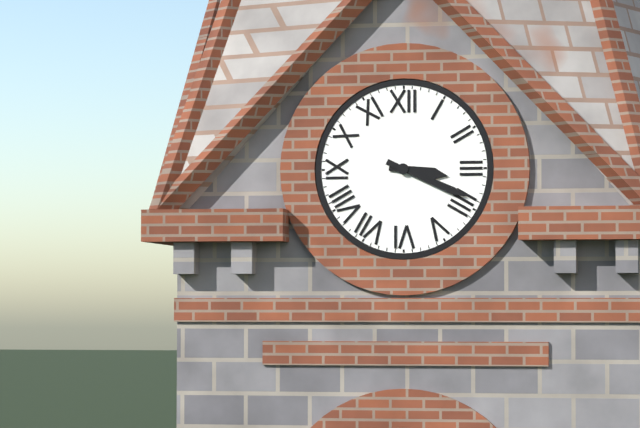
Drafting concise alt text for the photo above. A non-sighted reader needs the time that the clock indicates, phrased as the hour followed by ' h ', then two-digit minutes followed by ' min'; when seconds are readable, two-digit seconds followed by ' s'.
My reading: 3 h 19 min
